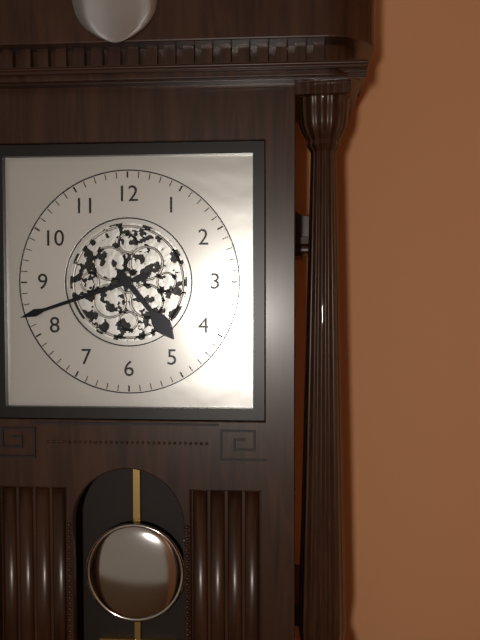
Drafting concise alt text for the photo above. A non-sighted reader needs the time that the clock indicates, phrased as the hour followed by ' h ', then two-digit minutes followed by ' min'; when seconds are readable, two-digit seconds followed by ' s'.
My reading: 4 h 42 min
